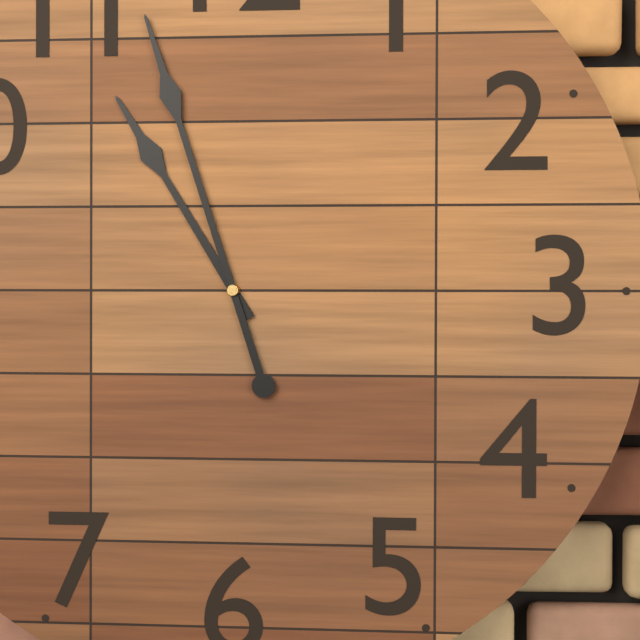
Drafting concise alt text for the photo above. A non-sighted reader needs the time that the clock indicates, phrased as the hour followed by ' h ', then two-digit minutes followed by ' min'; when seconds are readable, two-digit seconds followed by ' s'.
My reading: 10 h 57 min
